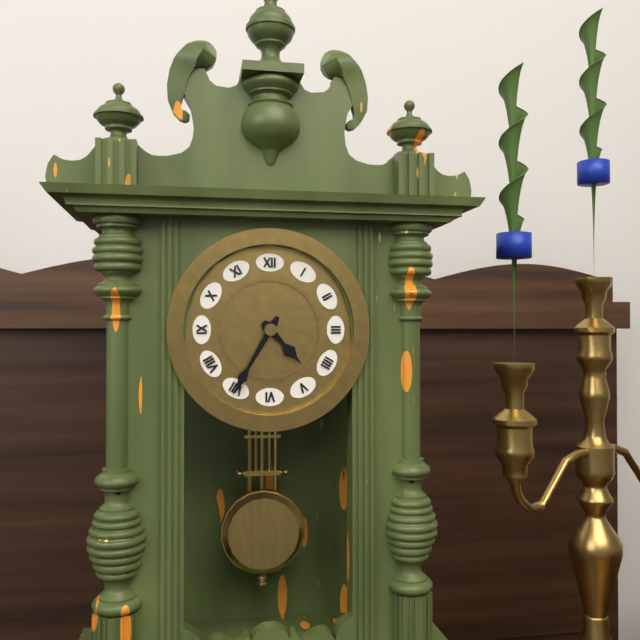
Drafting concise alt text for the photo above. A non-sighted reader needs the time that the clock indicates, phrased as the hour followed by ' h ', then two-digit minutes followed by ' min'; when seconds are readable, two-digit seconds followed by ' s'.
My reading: 4 h 35 min
